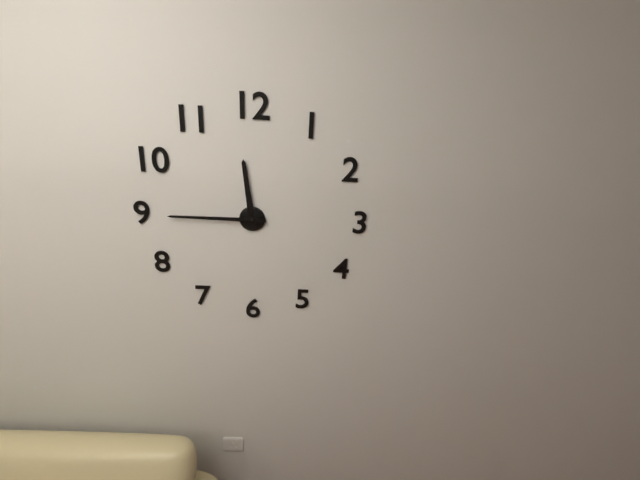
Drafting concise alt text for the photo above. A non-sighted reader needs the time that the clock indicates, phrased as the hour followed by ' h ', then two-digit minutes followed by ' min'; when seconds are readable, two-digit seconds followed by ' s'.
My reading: 11 h 45 min
